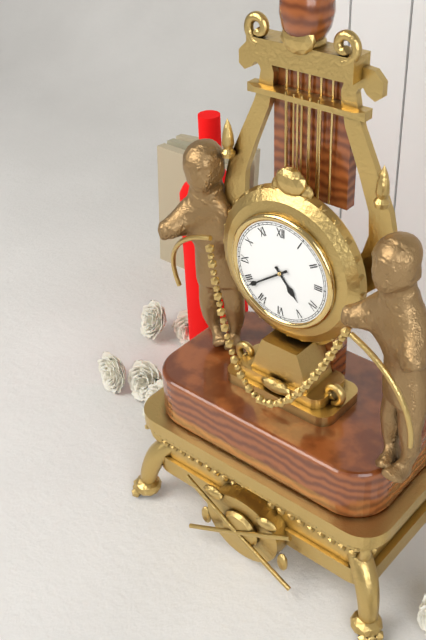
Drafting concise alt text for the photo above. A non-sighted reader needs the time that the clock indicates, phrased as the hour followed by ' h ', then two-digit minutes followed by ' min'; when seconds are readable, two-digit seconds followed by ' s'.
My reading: 4 h 39 min
